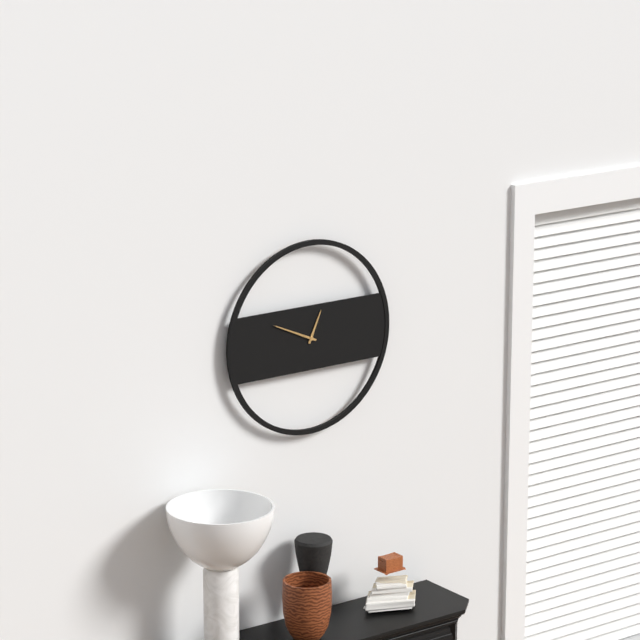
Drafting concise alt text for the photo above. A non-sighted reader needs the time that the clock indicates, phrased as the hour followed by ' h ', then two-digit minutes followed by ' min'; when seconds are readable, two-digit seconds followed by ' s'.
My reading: 12 h 49 min
